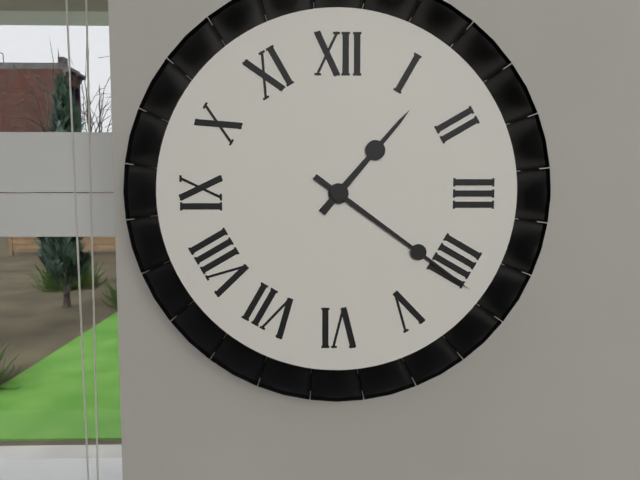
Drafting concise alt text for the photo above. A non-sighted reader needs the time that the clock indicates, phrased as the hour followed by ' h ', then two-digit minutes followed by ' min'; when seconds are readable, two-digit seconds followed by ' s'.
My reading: 1 h 21 min
